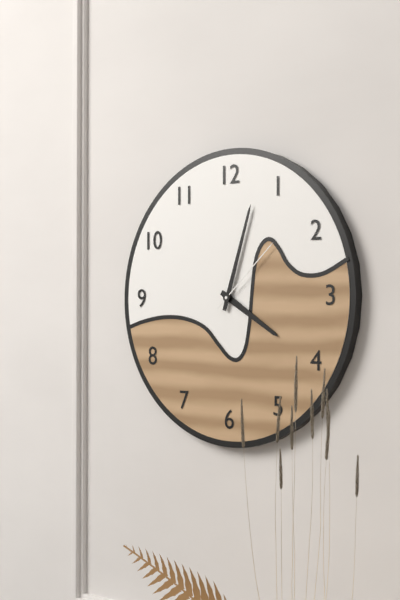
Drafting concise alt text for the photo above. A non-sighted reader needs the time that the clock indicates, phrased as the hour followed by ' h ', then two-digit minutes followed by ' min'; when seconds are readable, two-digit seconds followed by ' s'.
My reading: 4 h 03 min 08 s
